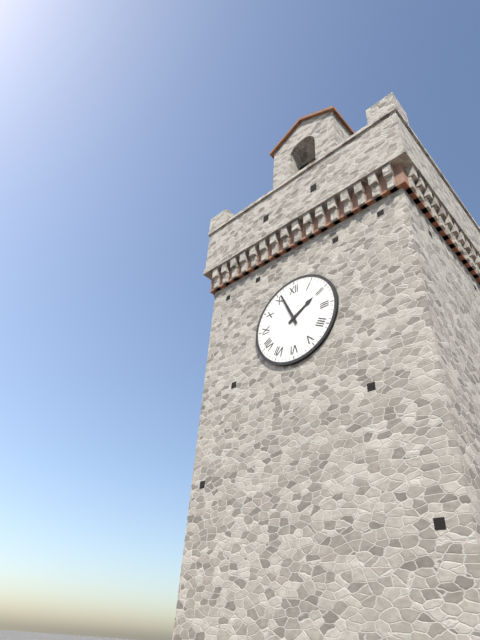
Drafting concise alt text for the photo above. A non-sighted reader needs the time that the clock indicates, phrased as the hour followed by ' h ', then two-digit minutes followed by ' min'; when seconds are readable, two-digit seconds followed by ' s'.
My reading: 1 h 56 min
